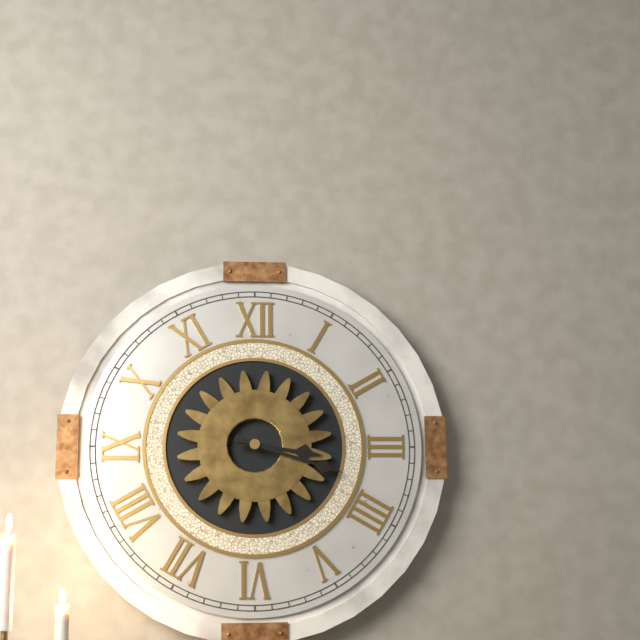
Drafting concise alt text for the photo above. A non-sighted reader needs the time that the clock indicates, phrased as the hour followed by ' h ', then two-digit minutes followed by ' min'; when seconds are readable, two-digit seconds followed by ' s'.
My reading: 3 h 18 min
